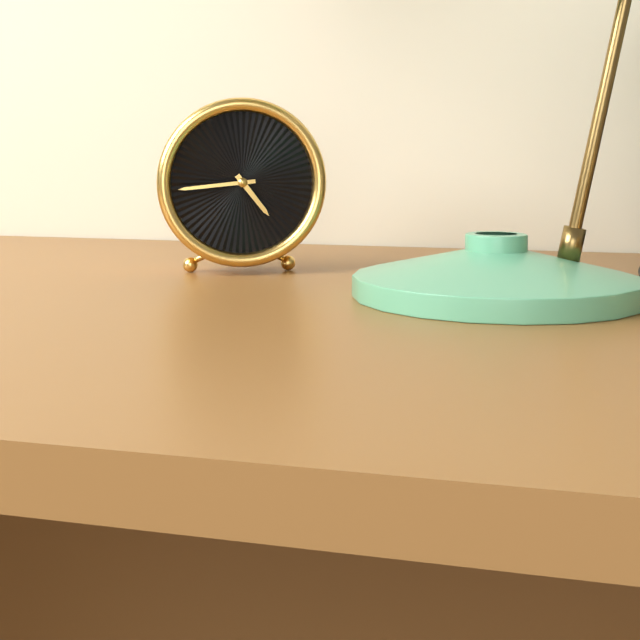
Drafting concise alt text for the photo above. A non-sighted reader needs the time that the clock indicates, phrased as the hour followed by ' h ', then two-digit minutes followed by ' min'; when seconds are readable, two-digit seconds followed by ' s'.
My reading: 4 h 44 min
